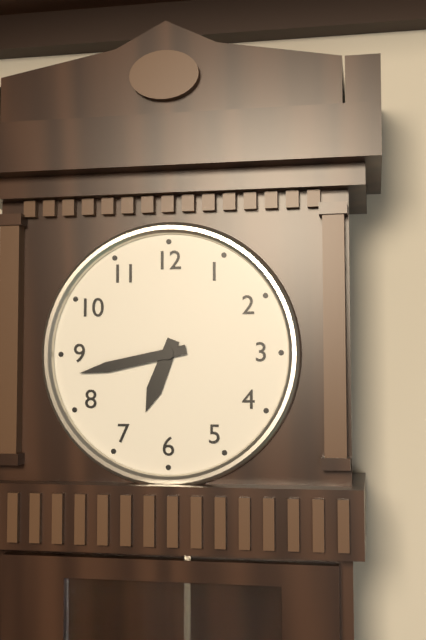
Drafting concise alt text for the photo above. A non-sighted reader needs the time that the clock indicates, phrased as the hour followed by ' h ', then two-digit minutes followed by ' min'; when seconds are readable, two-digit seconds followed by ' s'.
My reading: 6 h 43 min
